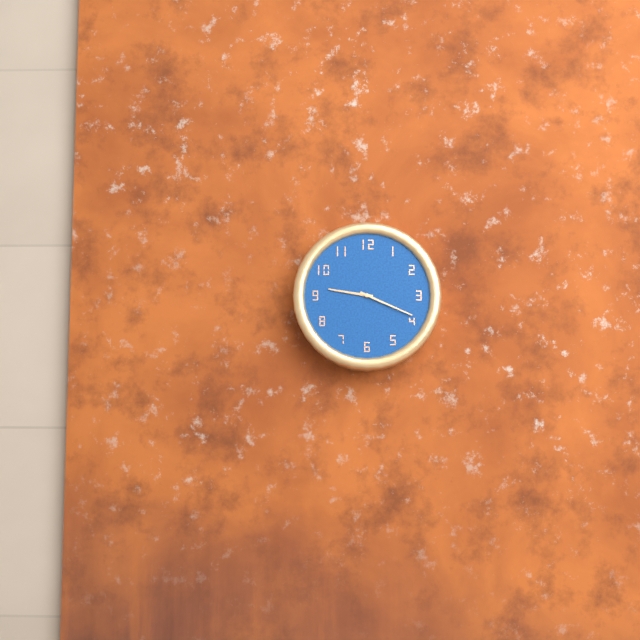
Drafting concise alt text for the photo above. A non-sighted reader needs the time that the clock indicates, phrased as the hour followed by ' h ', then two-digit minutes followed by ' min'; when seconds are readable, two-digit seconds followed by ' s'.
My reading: 9 h 19 min
